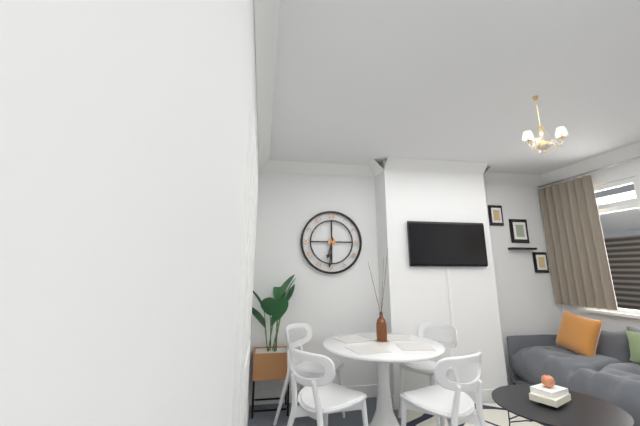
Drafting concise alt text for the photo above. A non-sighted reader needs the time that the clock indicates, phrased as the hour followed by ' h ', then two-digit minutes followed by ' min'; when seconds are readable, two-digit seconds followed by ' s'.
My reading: 6 h 31 min
